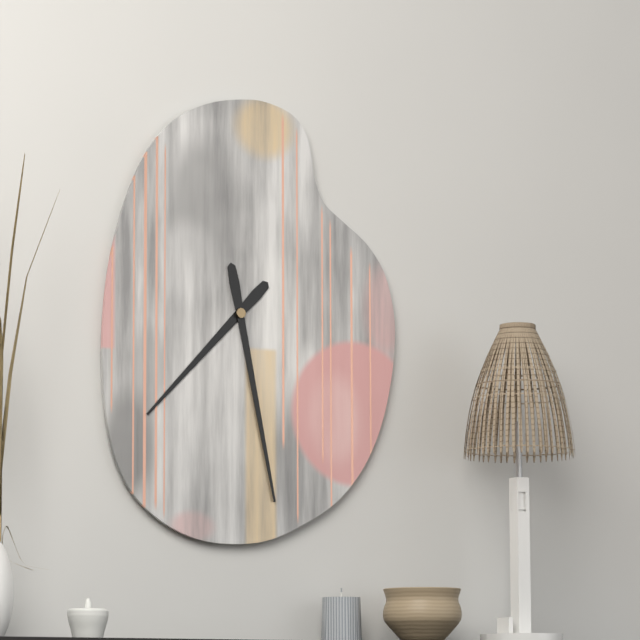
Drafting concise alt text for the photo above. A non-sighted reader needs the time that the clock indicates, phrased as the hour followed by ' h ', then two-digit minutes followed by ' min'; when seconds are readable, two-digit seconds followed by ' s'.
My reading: 7 h 28 min
